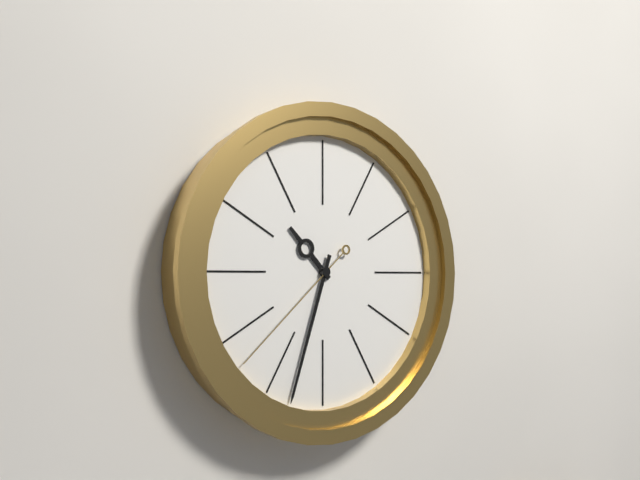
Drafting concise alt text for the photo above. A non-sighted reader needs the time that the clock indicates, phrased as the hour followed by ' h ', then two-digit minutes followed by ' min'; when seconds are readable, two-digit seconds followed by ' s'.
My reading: 10 h 33 min 38 s
